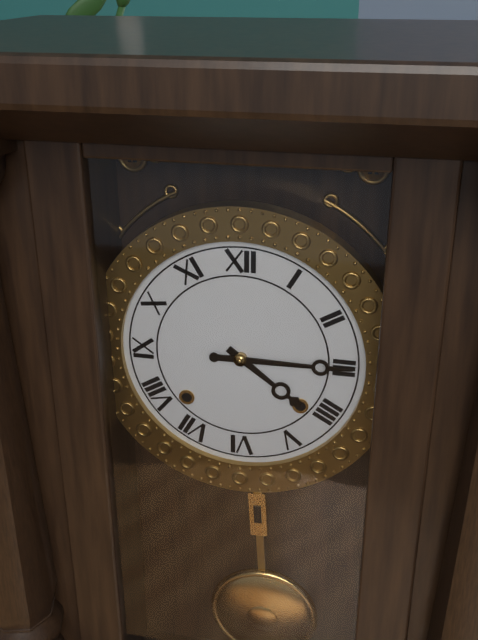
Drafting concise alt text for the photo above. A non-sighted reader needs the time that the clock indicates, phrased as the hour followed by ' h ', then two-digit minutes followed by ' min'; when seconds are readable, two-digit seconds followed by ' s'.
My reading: 4 h 15 min
